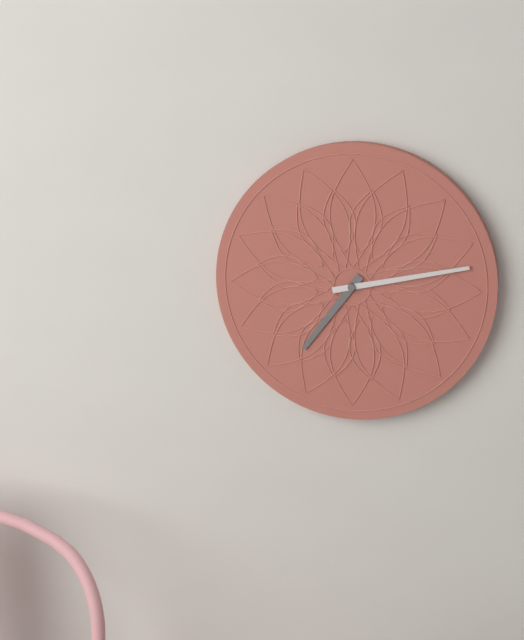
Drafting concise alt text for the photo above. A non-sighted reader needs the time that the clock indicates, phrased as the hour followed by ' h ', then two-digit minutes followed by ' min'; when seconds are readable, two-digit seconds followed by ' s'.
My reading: 7 h 13 min
